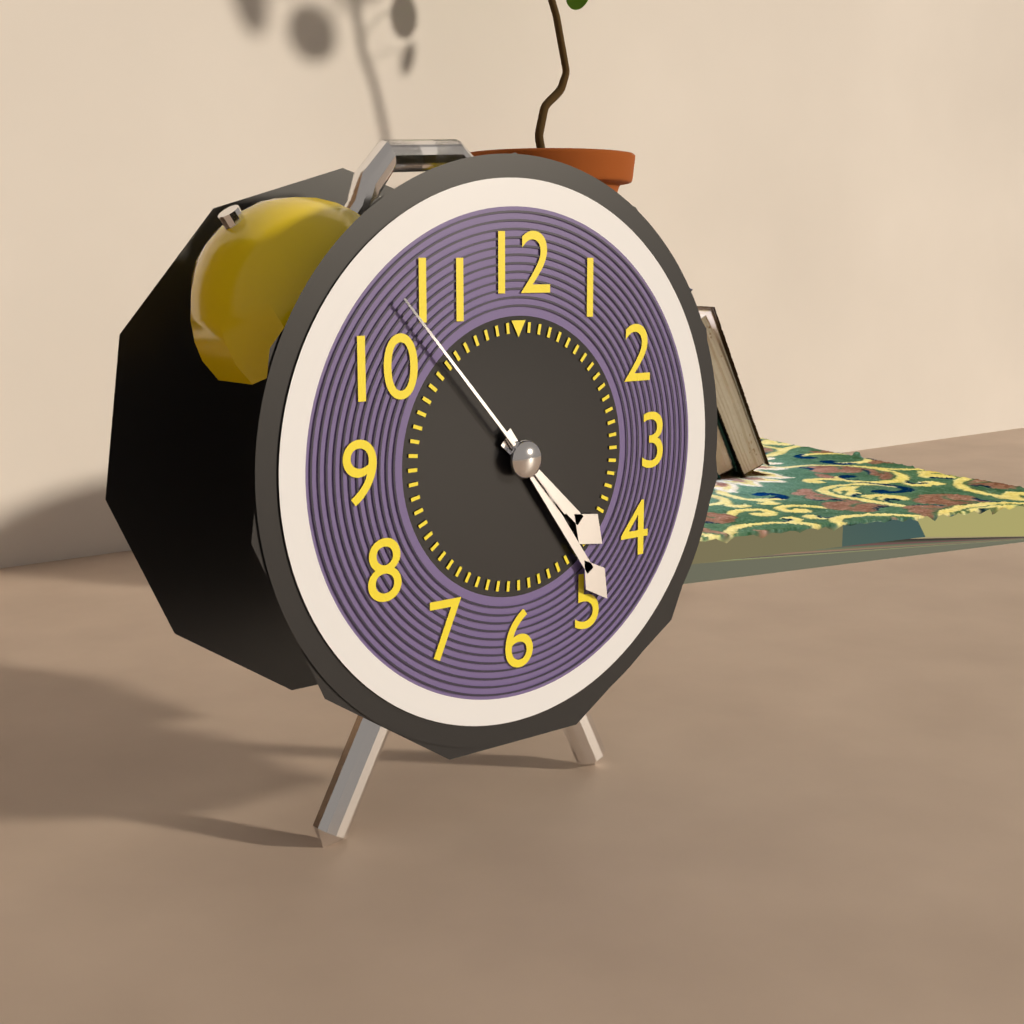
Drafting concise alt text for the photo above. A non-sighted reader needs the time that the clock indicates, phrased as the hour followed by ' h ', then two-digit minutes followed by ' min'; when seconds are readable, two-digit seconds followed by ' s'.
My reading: 4 h 24 min 53 s
